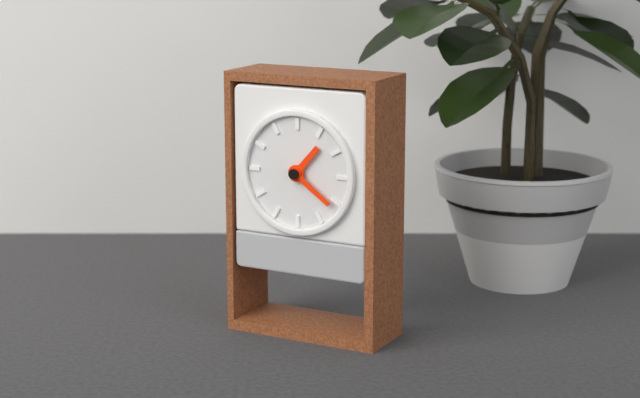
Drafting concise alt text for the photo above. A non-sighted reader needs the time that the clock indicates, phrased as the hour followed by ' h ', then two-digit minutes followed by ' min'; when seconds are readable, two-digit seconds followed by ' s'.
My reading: 1 h 21 min
